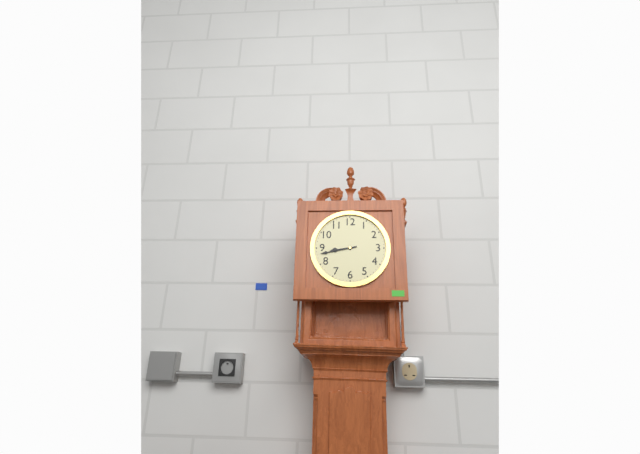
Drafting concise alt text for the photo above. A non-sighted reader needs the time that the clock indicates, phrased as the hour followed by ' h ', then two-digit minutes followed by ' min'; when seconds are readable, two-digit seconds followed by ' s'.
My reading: 8 h 43 min
